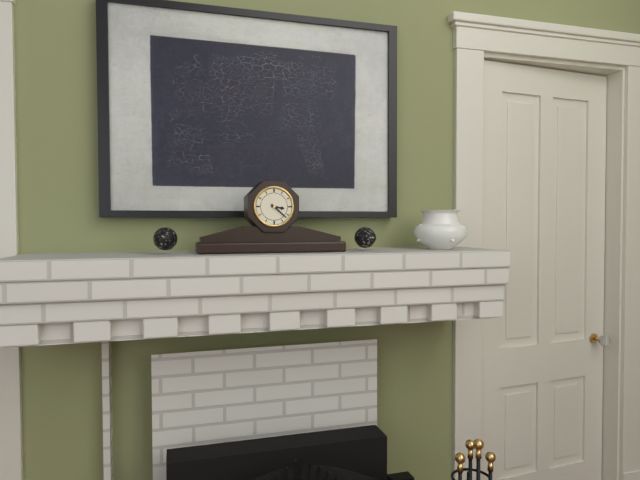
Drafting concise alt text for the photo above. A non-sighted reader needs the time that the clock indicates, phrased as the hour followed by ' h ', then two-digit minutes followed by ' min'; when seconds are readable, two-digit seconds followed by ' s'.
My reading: 3 h 22 min
